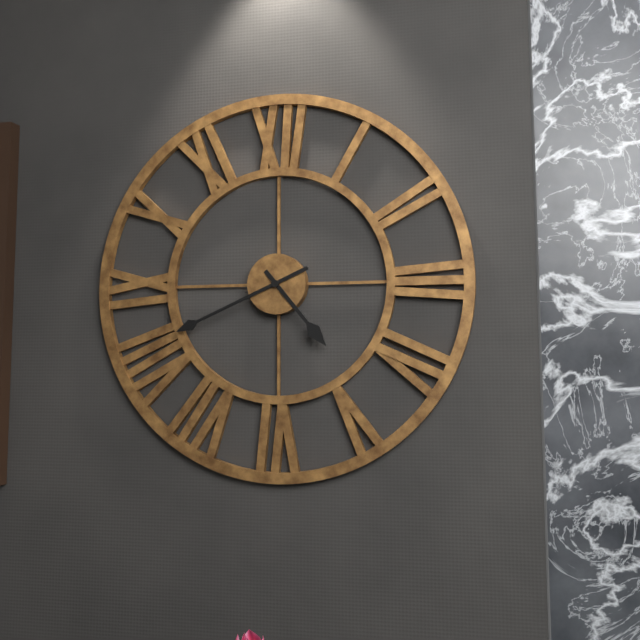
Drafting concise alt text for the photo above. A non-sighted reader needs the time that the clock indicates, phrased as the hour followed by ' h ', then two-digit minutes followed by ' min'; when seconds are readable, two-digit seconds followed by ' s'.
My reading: 4 h 41 min
